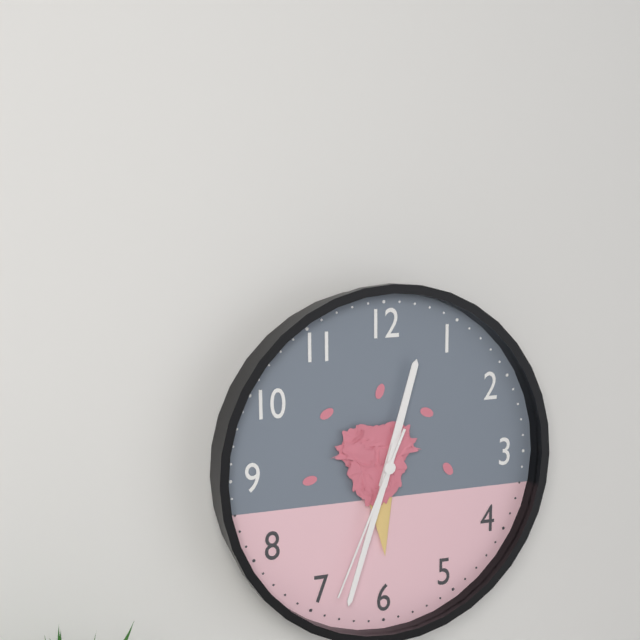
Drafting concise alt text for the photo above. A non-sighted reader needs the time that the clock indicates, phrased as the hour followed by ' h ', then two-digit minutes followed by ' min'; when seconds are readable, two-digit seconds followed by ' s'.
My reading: 12 h 33 min 34 s
